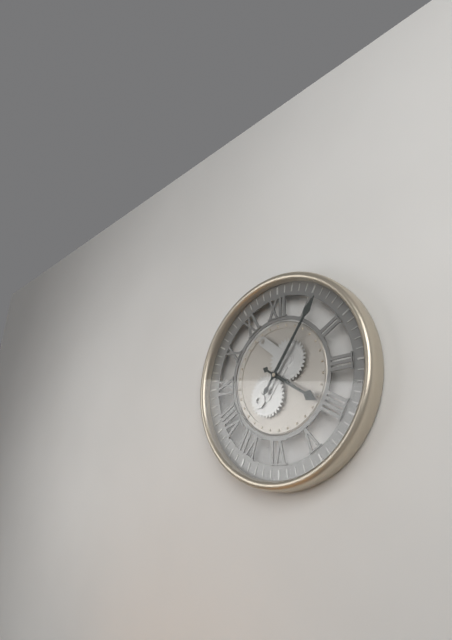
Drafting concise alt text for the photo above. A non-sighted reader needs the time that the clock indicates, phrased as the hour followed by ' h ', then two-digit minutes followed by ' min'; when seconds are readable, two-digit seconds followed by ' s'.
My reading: 4 h 06 min
